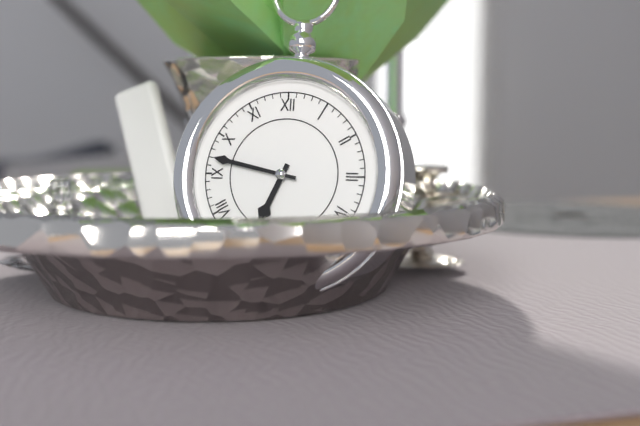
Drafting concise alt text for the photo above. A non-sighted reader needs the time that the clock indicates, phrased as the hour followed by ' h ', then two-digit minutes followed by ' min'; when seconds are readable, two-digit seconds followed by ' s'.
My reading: 6 h 47 min
